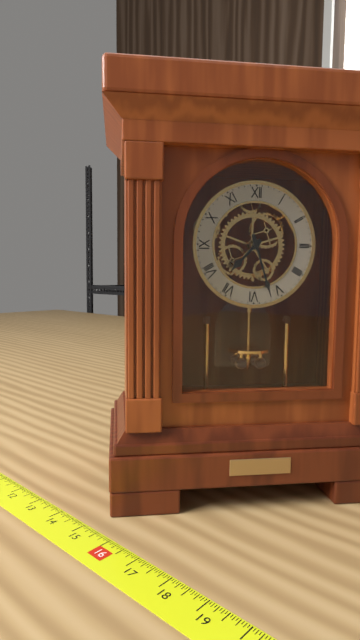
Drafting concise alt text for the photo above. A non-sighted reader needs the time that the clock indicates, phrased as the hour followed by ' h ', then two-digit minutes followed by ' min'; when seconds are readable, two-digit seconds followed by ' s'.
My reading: 7 h 27 min
